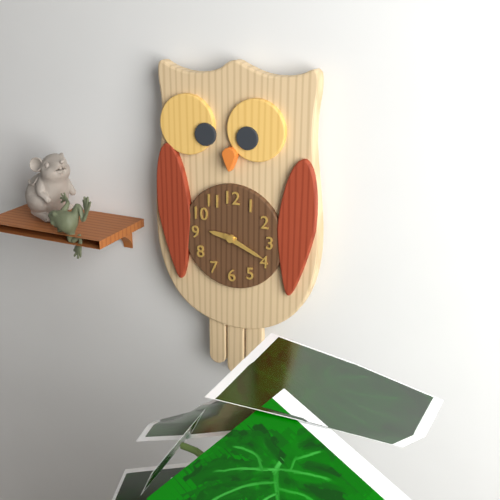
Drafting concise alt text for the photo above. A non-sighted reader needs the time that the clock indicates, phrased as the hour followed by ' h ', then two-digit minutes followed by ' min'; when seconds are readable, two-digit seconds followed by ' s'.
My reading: 9 h 19 min
